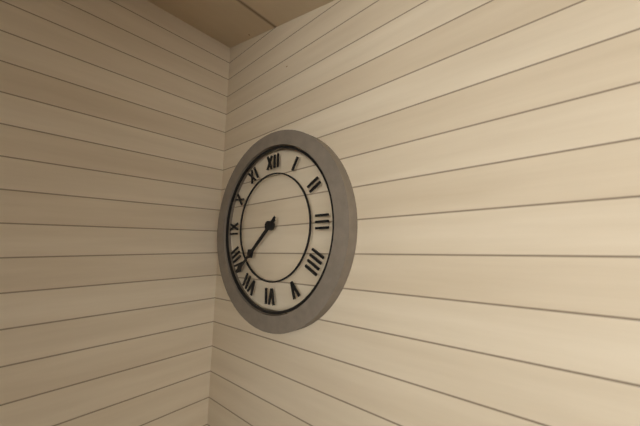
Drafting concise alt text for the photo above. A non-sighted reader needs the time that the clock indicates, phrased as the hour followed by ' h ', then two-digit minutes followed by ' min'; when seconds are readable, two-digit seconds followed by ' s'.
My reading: 7 h 38 min
